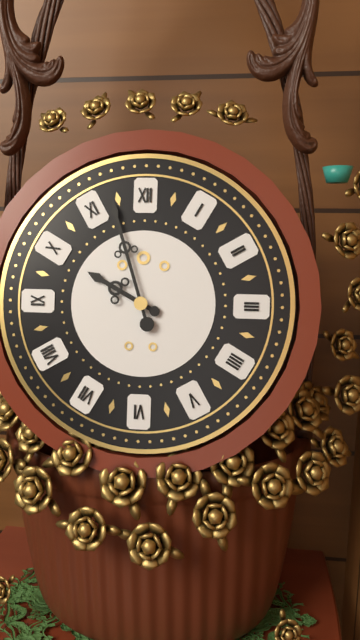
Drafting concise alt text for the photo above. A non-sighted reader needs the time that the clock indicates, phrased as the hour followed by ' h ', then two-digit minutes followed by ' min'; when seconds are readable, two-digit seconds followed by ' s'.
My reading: 9 h 57 min
